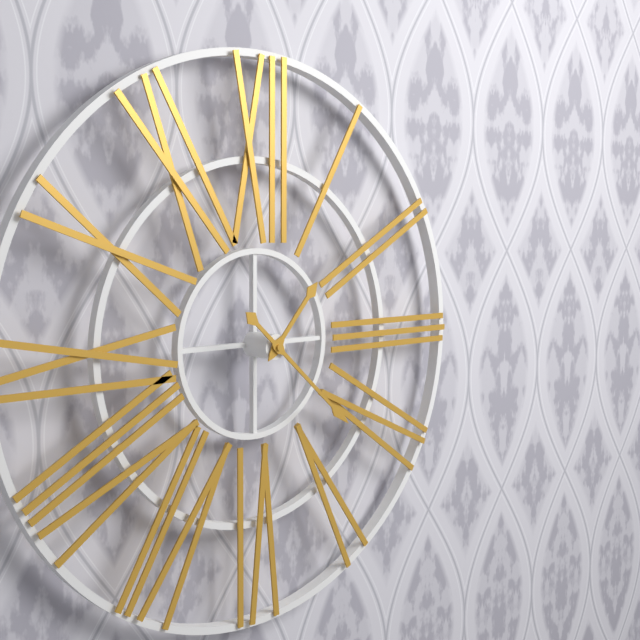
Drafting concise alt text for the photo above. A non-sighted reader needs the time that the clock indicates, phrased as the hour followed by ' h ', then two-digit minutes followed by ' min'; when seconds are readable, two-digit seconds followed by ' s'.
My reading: 1 h 22 min
